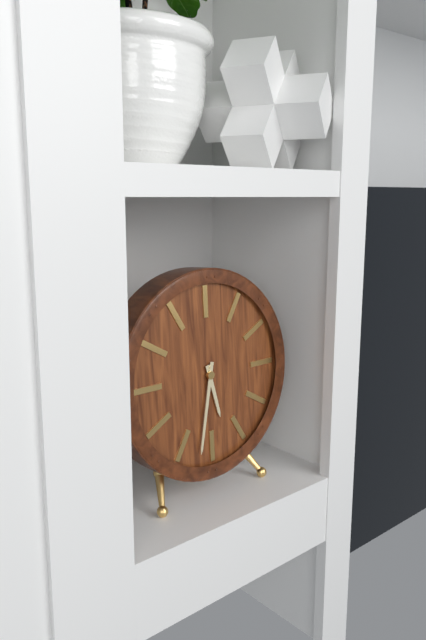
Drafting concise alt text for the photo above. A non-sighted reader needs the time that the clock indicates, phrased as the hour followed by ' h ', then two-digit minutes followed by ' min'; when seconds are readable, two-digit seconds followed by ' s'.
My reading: 5 h 32 min
